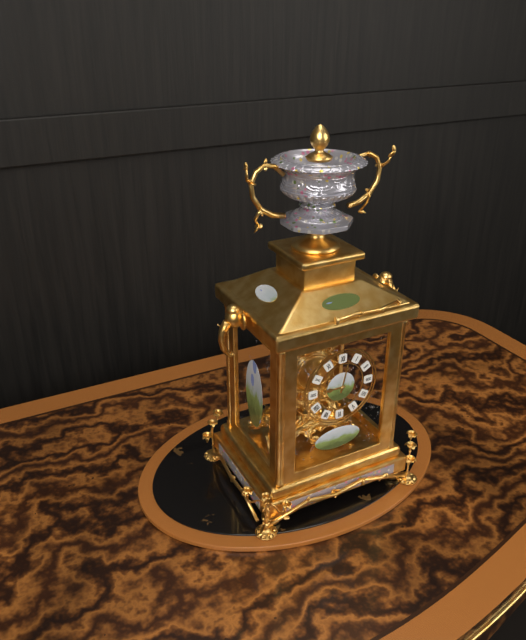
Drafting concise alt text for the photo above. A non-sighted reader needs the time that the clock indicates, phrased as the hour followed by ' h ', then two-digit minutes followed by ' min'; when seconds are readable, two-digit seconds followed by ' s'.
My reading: 9 h 02 min
